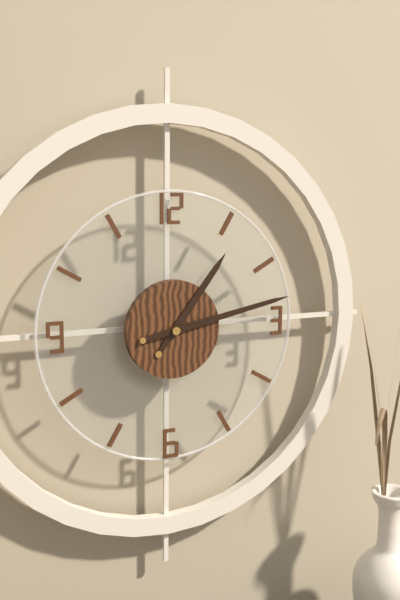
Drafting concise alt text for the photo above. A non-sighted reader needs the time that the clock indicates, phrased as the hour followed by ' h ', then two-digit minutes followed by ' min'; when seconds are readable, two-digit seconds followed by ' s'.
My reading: 1 h 13 min
